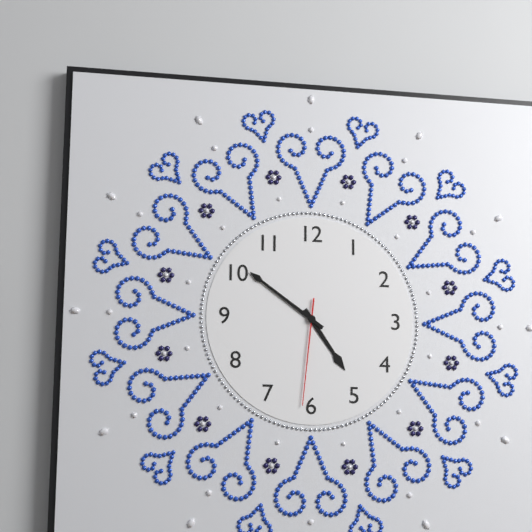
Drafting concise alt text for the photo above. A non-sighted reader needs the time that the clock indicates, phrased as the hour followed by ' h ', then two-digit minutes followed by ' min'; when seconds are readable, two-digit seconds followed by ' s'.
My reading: 4 h 51 min 31 s
